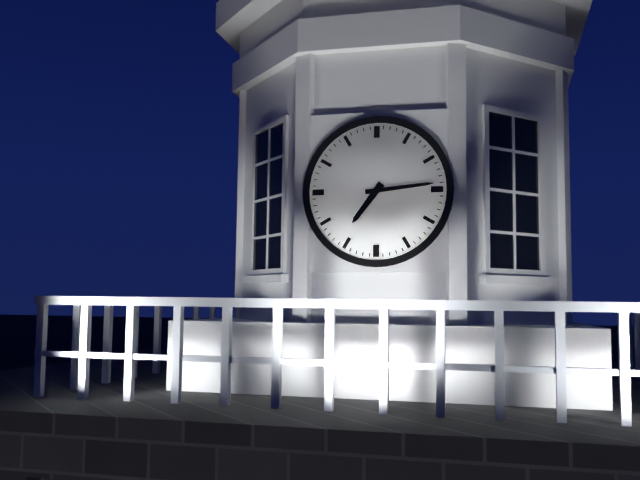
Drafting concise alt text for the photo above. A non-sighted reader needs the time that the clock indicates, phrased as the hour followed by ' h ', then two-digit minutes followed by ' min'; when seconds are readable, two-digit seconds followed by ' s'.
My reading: 7 h 14 min
